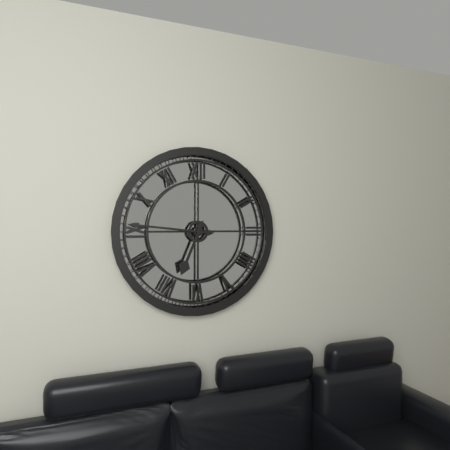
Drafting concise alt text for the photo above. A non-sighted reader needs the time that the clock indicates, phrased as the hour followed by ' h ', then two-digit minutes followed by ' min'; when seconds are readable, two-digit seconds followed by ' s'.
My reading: 6 h 46 min
